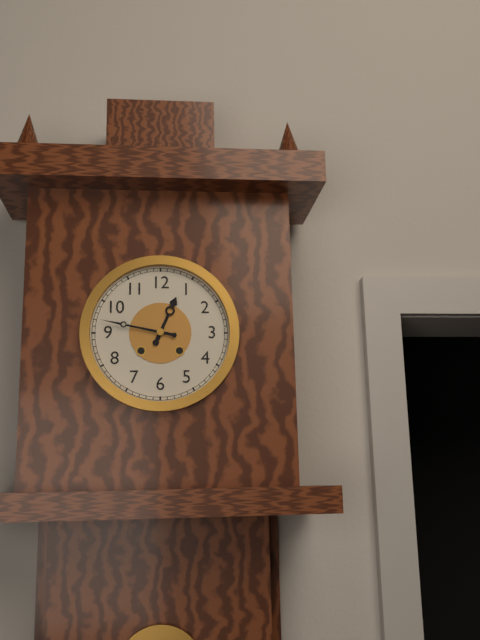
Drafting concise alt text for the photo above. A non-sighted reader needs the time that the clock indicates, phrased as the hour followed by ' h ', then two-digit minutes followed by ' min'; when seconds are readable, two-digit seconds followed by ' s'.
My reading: 12 h 47 min
